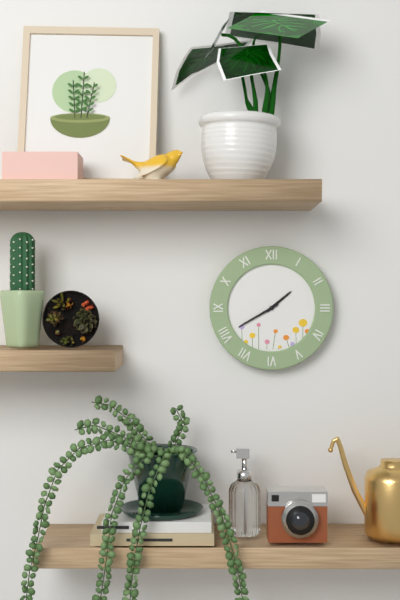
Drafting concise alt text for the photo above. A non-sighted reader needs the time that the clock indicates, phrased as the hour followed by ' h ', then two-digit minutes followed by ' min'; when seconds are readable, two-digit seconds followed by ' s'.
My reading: 1 h 40 min
